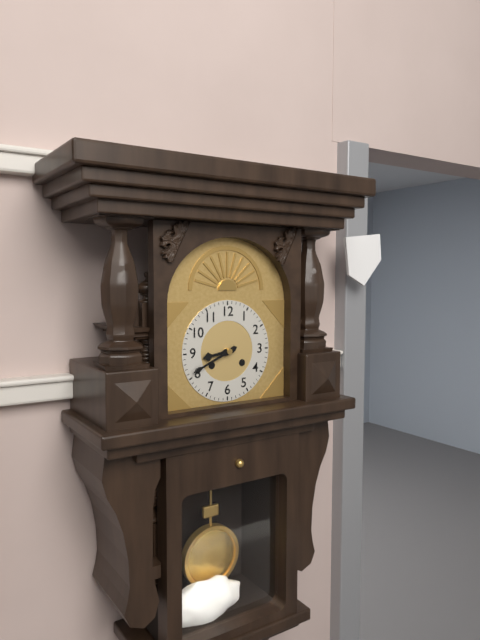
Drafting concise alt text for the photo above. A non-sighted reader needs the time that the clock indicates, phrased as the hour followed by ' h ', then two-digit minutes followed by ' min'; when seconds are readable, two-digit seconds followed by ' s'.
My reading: 8 h 41 min
